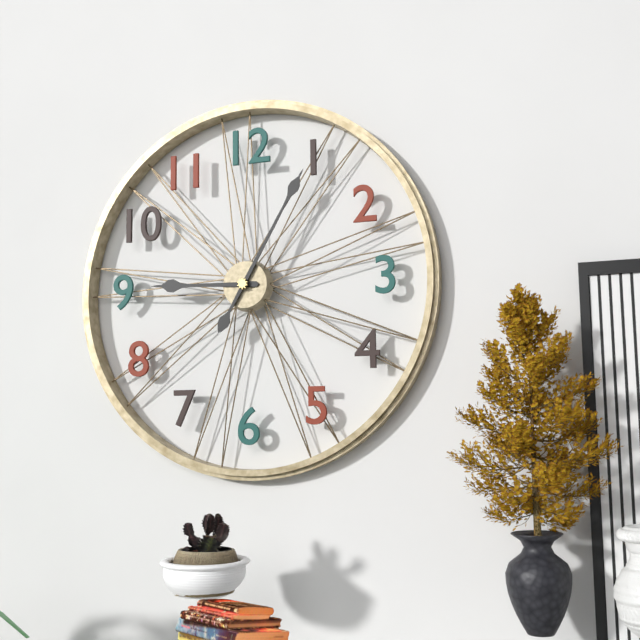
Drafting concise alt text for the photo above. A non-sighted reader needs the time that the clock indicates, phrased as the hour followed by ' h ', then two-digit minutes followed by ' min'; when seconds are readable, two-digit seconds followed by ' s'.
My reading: 9 h 05 min
